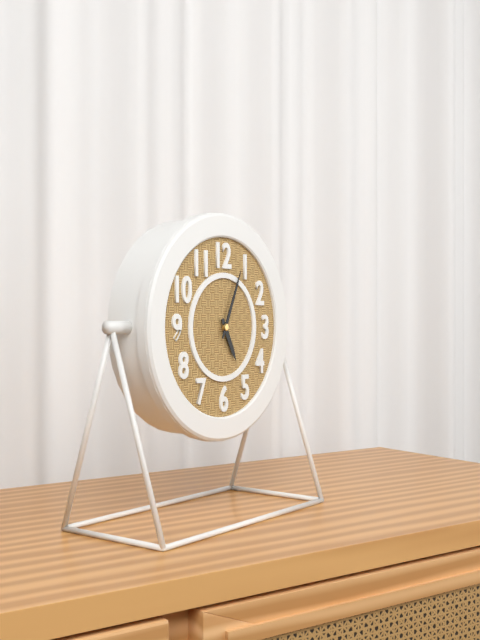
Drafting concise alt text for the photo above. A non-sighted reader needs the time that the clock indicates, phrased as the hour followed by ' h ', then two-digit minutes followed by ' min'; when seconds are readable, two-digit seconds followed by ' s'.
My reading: 5 h 04 min
